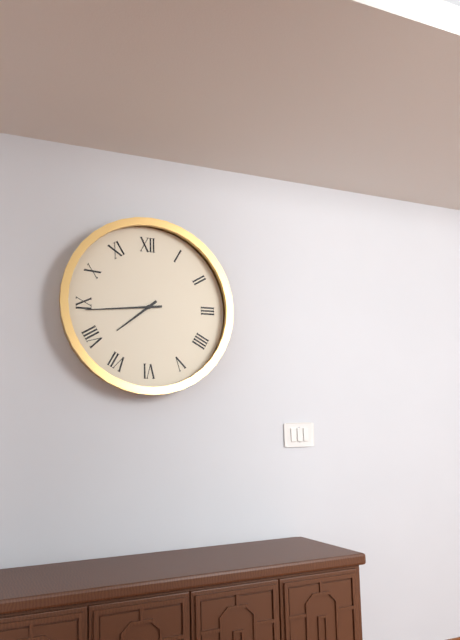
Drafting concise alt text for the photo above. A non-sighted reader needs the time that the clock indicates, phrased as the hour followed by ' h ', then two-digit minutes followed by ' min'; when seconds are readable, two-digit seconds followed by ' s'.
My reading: 7 h 44 min
